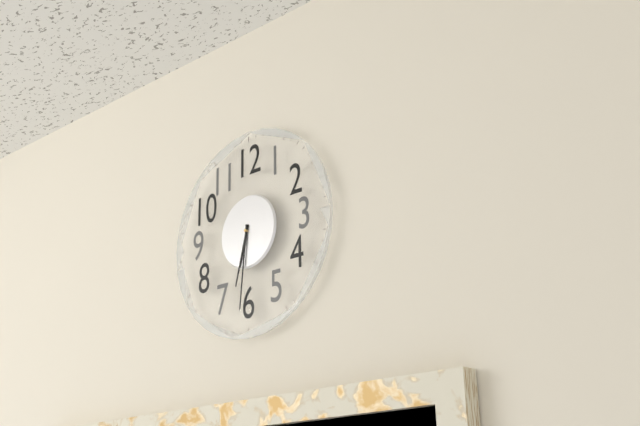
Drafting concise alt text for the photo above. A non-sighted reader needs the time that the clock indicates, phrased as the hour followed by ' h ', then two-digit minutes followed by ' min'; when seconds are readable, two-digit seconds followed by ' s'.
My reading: 6 h 31 min
